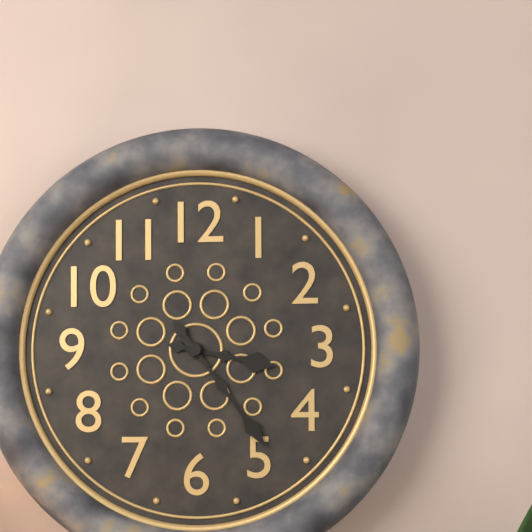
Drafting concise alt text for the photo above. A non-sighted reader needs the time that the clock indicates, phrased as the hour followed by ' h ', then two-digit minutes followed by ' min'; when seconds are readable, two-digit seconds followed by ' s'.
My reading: 3 h 24 min
